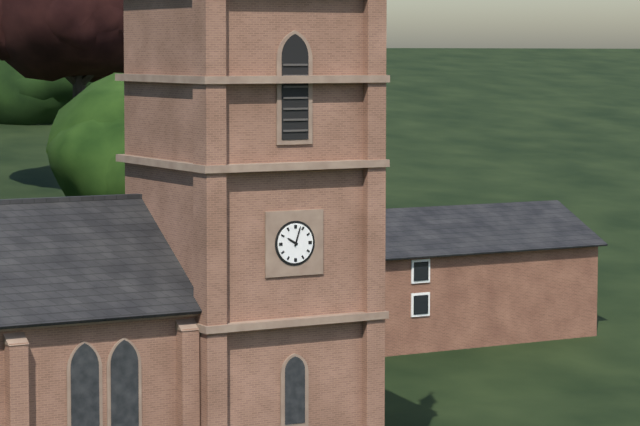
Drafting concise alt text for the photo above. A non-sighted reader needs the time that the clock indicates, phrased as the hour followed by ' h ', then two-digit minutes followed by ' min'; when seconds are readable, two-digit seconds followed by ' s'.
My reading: 10 h 03 min
